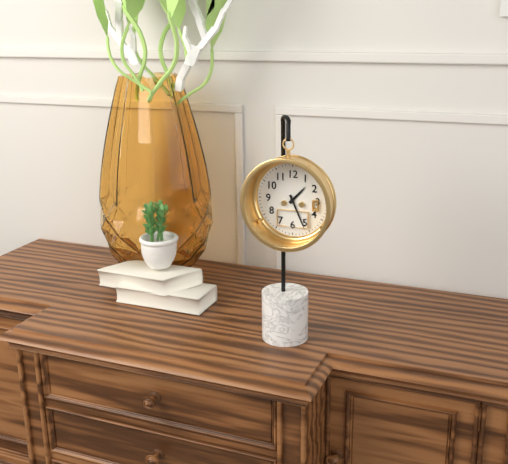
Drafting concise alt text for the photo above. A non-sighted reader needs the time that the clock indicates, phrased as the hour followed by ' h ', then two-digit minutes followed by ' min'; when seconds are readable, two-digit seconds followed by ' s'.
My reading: 1 h 26 min
